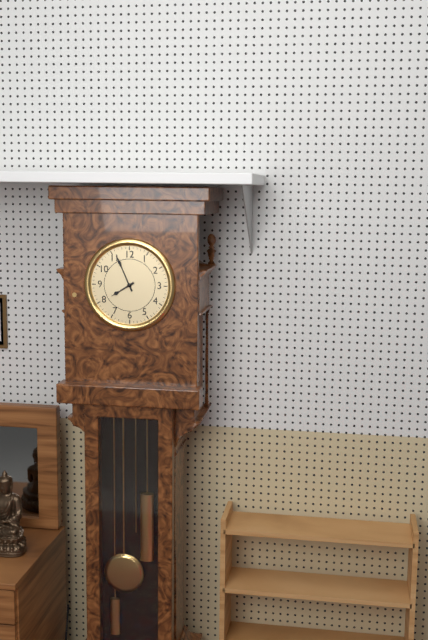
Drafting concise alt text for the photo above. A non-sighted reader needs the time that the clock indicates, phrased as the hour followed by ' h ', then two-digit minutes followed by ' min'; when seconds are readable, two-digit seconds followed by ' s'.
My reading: 7 h 56 min
